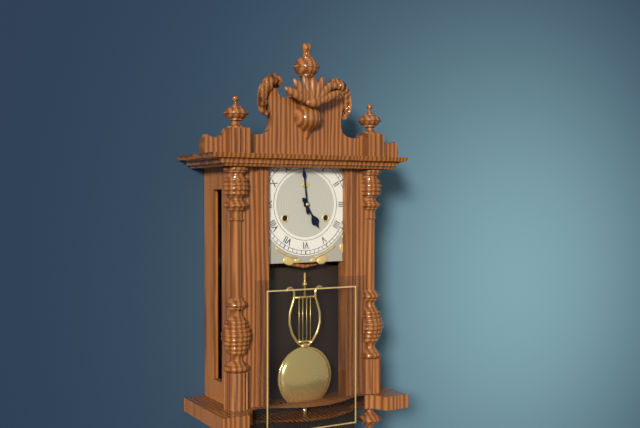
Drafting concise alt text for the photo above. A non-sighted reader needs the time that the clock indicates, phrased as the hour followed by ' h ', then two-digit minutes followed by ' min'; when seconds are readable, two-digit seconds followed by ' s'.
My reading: 4 h 59 min
